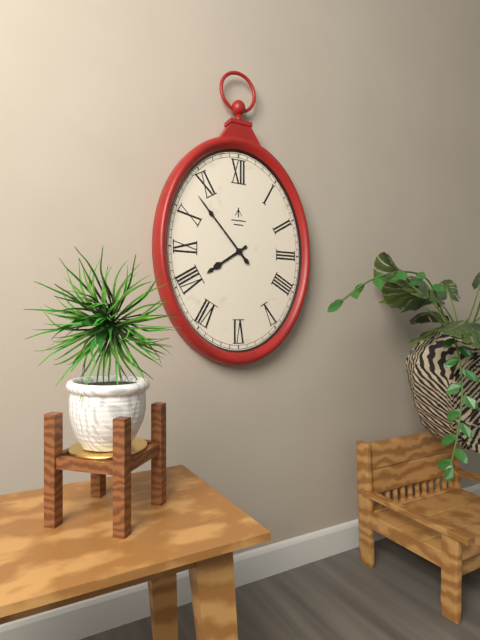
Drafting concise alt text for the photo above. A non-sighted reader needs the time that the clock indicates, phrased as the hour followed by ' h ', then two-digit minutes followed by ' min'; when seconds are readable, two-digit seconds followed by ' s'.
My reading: 7 h 53 min
